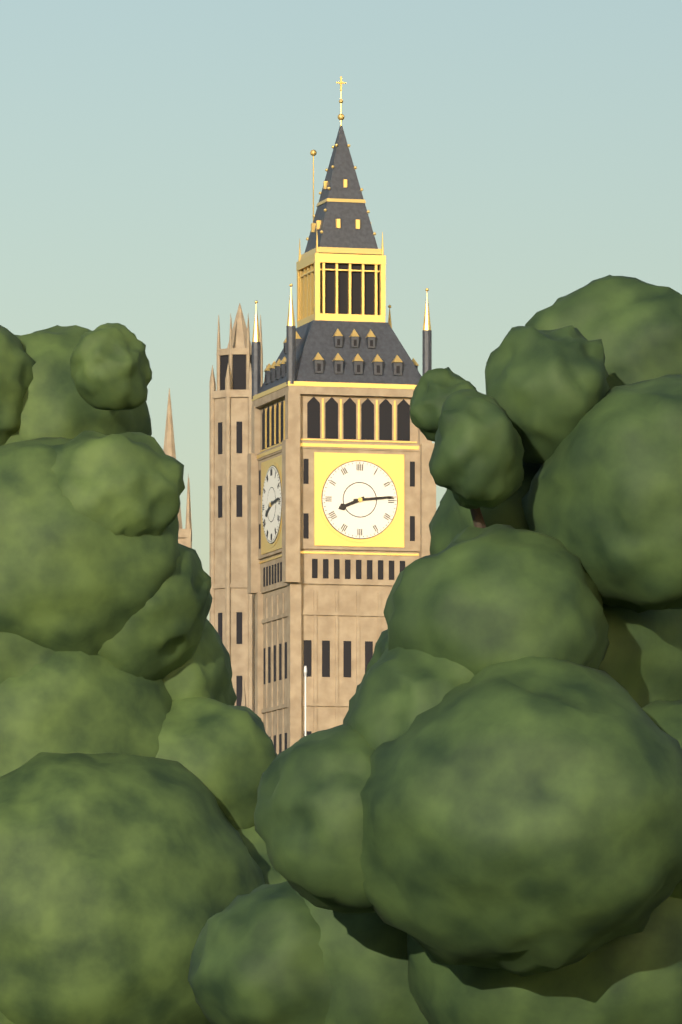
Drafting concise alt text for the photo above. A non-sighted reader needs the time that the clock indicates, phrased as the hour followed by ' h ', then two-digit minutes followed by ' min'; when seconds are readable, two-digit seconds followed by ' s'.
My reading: 8 h 14 min
